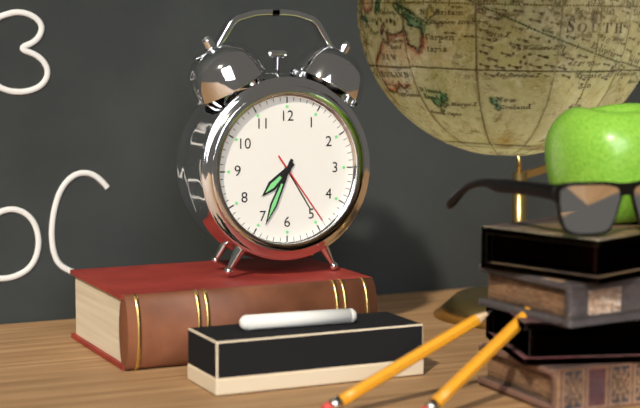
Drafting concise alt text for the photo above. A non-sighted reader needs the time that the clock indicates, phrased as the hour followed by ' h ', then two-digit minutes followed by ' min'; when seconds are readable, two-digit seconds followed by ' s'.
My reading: 7 h 34 min 24 s
